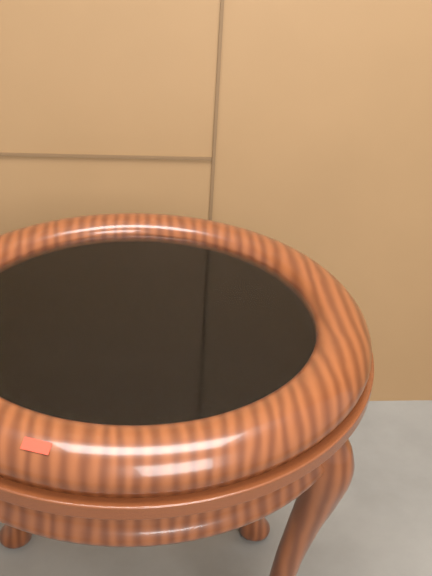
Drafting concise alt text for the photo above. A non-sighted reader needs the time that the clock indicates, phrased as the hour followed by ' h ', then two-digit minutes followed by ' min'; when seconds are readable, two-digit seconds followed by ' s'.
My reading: 8 h 06 min
